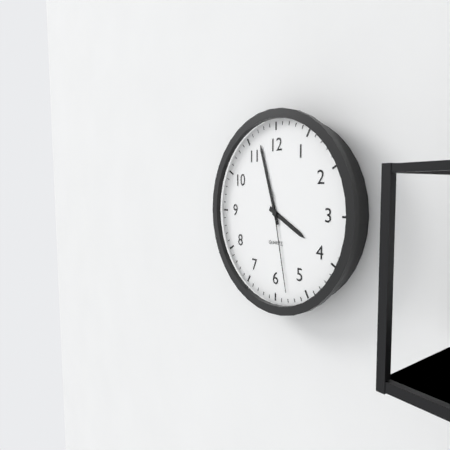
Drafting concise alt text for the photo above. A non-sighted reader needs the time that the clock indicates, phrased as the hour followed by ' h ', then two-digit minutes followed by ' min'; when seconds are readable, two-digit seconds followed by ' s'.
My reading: 3 h 57 min 28 s
